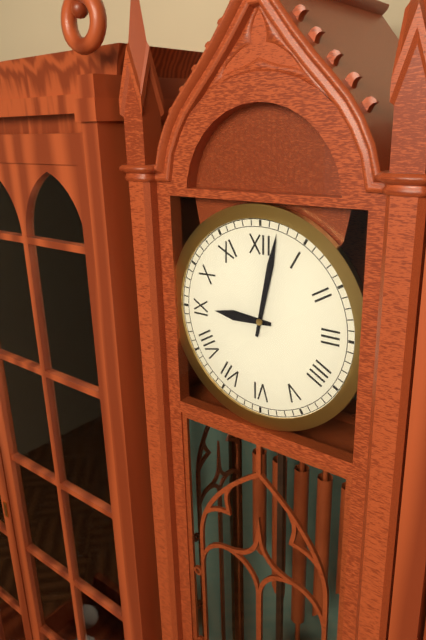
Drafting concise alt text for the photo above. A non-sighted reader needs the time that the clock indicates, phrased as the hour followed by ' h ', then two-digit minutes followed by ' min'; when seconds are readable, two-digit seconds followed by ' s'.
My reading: 9 h 02 min
